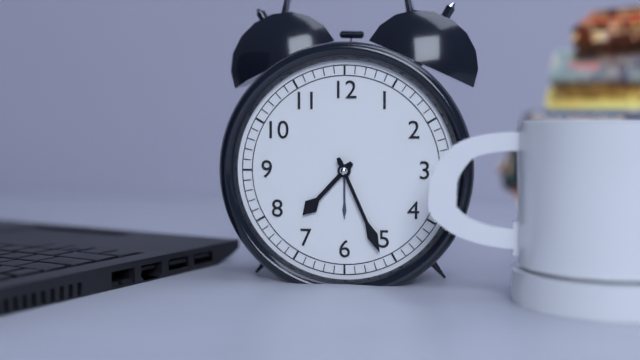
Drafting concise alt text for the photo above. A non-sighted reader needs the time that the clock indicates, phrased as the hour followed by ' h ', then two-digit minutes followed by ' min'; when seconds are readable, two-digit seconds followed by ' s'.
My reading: 7 h 26 min
